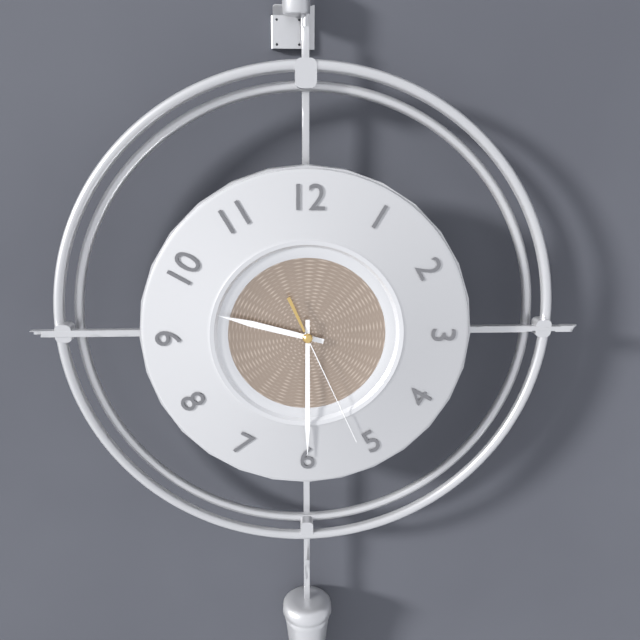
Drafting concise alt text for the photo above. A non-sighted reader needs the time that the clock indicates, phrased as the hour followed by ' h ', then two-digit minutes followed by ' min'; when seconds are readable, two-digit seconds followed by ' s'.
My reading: 9 h 30 min 26 s
